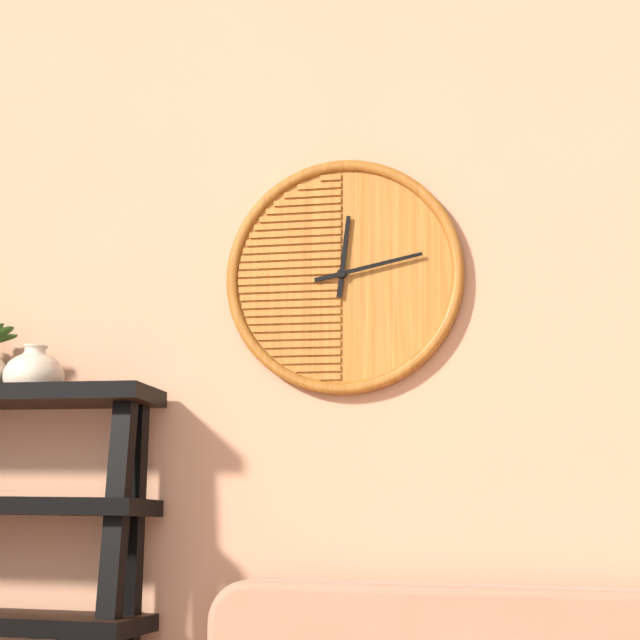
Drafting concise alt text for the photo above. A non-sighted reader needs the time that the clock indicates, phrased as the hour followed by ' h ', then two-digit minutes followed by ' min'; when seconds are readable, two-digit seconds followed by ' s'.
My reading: 12 h 13 min
